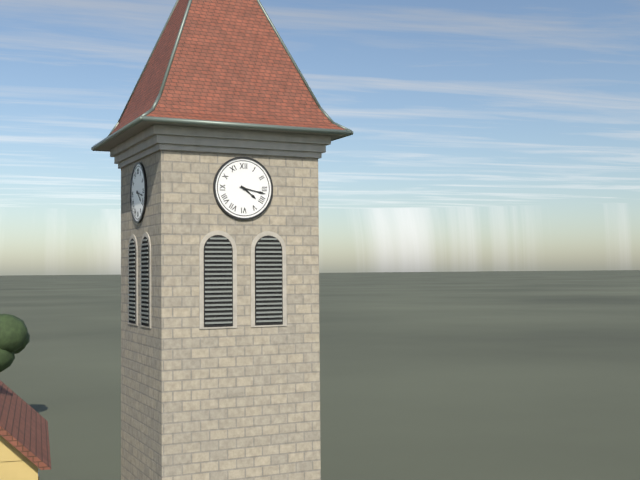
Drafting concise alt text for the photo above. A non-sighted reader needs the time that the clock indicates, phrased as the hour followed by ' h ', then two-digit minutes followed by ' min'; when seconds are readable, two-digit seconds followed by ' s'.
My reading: 4 h 17 min
